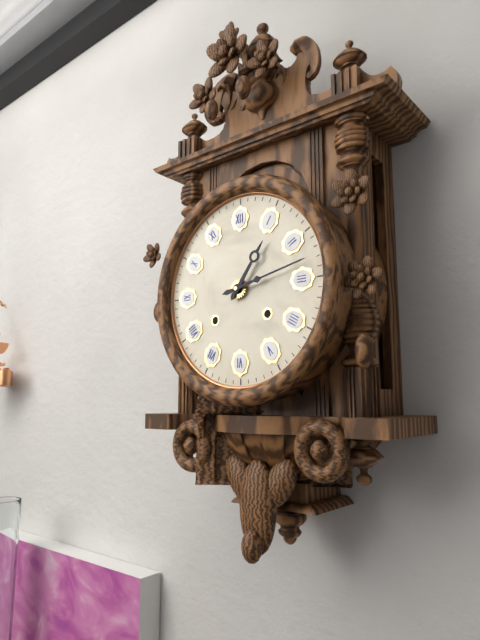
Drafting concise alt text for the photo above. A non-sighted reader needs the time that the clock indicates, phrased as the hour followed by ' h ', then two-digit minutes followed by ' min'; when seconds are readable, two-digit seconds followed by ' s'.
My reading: 1 h 13 min
